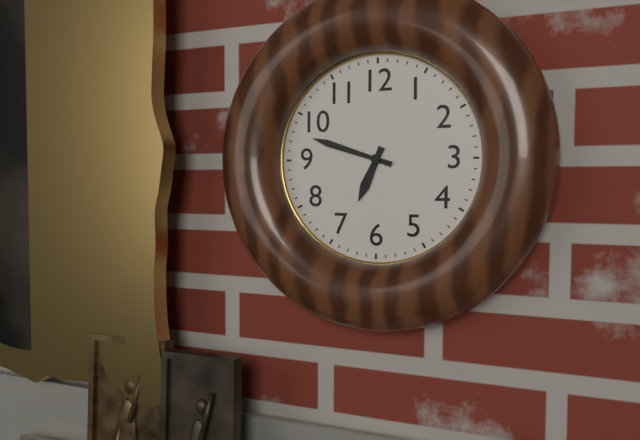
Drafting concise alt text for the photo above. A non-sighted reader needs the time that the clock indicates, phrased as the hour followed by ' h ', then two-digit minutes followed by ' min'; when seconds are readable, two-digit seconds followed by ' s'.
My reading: 6 h 48 min
